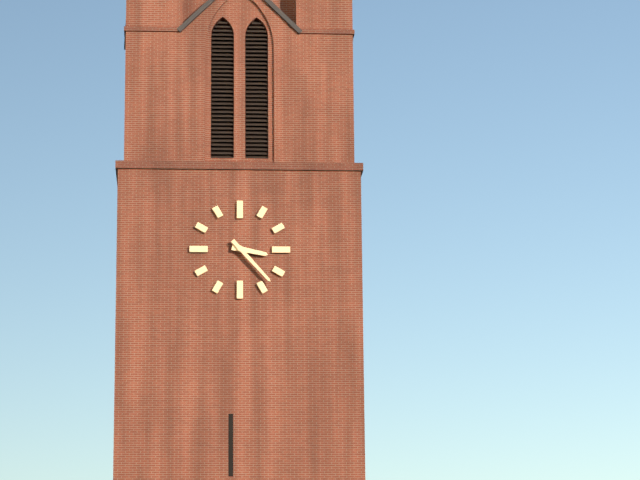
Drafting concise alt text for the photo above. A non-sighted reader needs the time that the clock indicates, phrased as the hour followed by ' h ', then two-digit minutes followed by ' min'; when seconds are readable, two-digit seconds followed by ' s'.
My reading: 3 h 23 min
